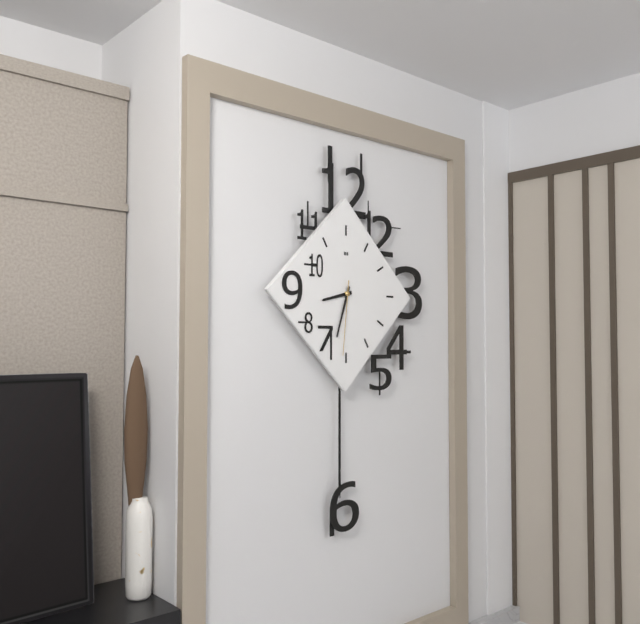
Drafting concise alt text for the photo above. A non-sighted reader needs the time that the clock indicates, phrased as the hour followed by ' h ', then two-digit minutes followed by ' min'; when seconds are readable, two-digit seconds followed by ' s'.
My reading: 8 h 33 min 31 s
